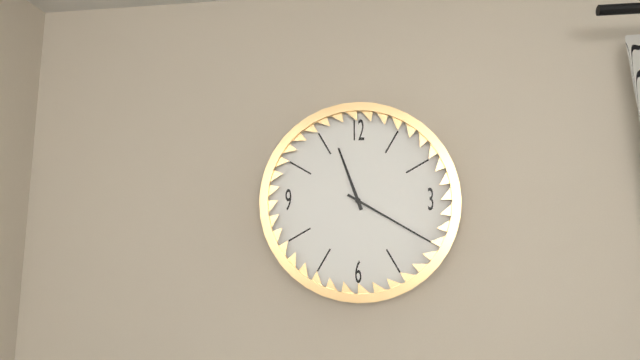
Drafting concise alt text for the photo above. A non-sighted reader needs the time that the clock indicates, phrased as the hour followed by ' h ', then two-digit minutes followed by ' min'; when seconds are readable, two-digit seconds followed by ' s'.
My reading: 11 h 20 min
